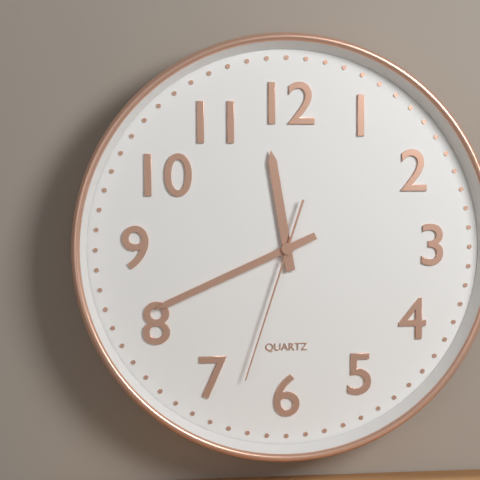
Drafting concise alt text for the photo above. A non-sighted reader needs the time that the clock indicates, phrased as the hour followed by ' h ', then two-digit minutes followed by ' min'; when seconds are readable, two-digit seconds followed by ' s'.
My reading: 11 h 41 min 33 s
